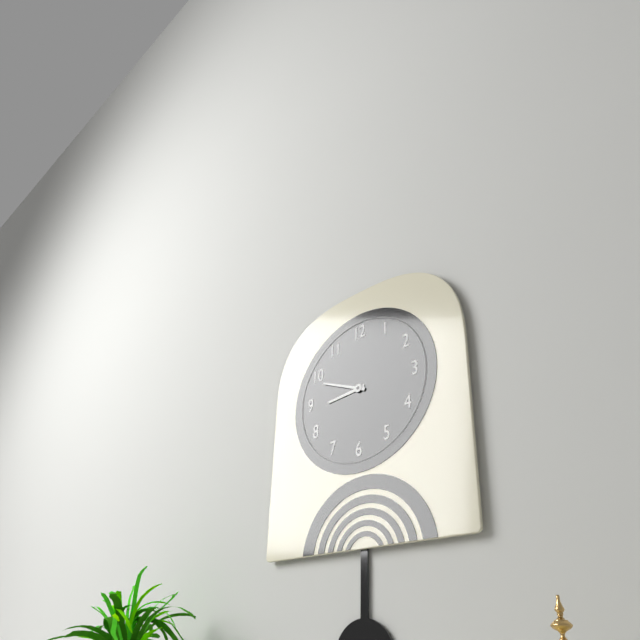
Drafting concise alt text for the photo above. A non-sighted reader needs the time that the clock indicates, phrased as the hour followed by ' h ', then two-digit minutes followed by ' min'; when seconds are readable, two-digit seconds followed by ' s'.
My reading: 8 h 49 min
